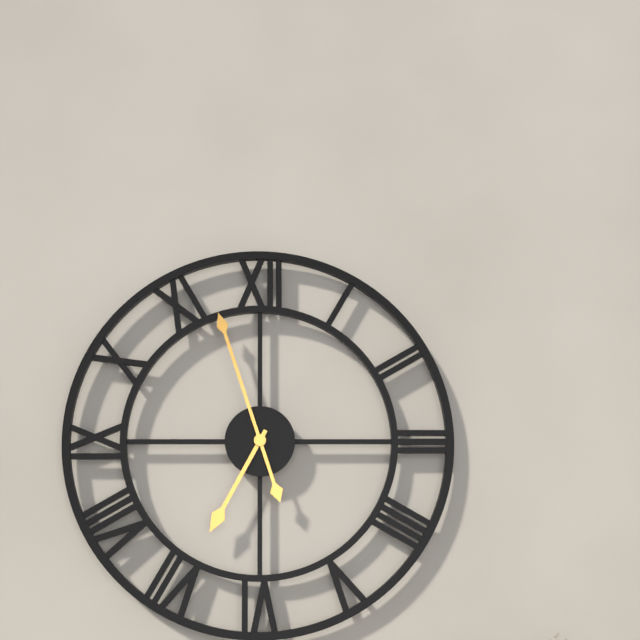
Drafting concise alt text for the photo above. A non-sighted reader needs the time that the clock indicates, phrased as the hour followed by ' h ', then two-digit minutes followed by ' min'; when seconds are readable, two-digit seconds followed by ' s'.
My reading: 6 h 57 min
